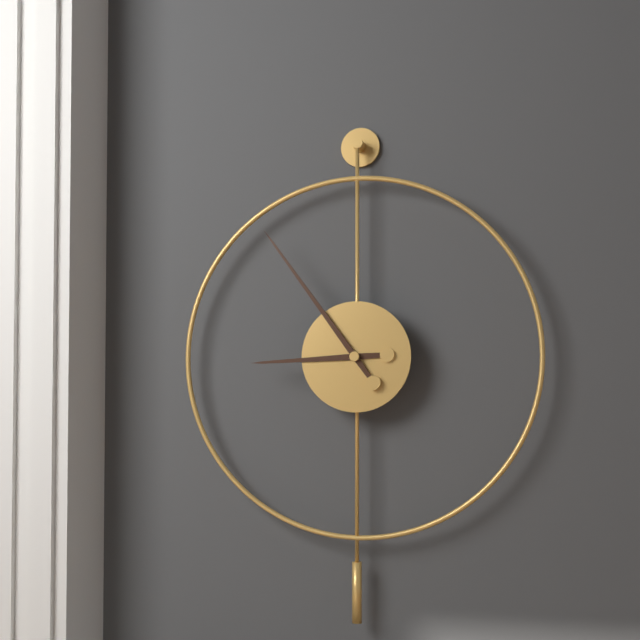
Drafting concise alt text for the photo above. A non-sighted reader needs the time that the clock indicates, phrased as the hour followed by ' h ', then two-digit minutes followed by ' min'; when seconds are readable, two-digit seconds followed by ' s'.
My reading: 8 h 54 min
